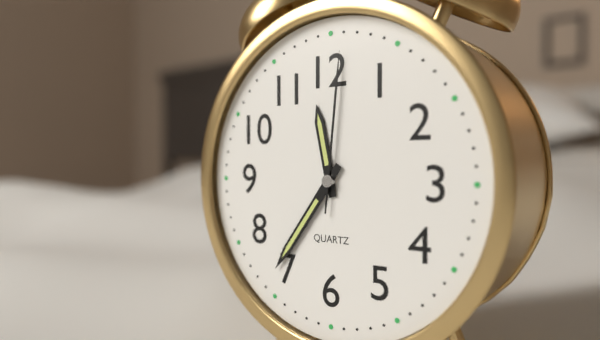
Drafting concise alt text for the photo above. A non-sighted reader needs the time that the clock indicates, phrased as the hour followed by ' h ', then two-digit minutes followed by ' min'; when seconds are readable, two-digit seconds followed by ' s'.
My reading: 11 h 36 min 01 s
